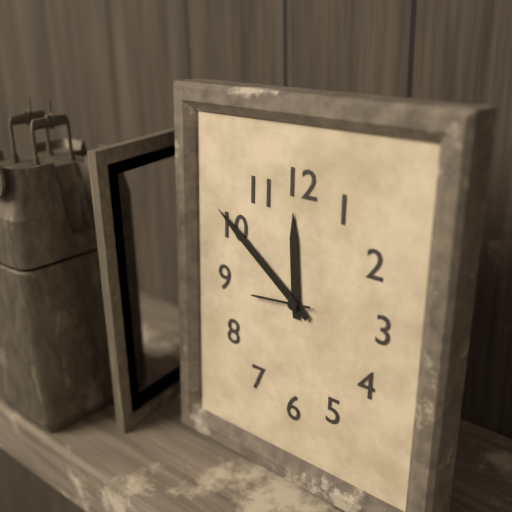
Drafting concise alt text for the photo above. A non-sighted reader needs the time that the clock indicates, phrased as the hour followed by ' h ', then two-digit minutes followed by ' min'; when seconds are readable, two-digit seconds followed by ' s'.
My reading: 11 h 51 min 44 s
